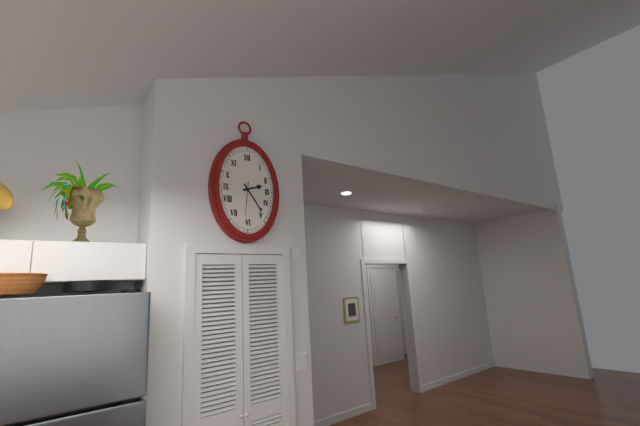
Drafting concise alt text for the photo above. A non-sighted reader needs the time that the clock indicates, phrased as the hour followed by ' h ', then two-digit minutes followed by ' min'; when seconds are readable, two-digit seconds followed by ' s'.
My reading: 2 h 24 min
